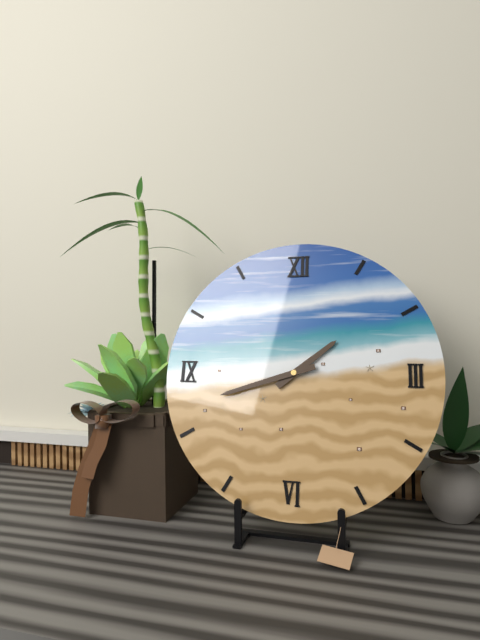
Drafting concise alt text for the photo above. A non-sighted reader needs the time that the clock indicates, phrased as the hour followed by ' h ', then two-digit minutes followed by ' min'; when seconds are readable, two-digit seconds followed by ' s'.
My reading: 1 h 42 min
